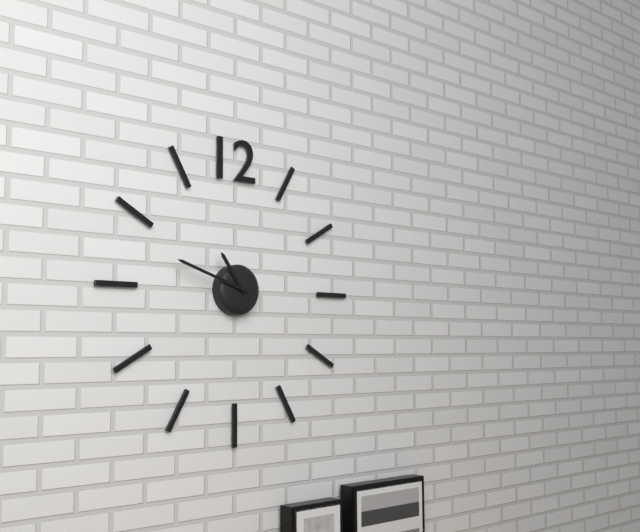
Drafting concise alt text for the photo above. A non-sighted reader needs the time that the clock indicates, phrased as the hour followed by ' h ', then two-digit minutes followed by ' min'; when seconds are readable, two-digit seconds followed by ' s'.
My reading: 10 h 48 min
